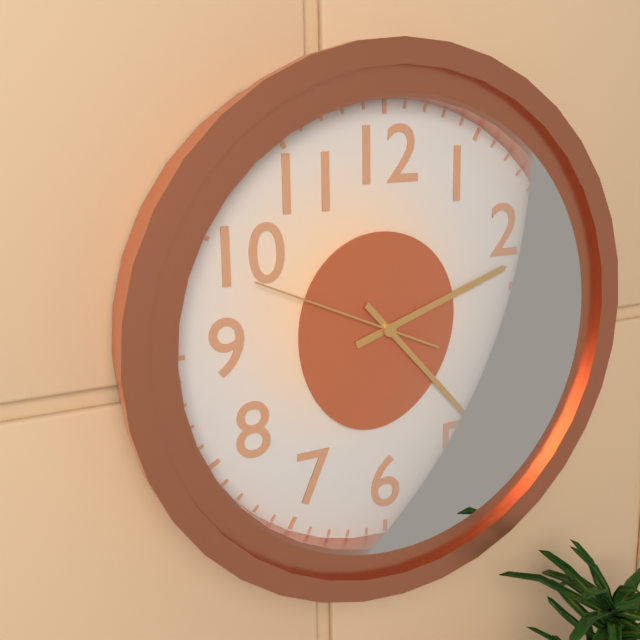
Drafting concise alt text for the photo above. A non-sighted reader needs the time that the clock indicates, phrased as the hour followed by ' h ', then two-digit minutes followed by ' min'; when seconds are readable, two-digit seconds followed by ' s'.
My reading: 2 h 23 min 49 s
